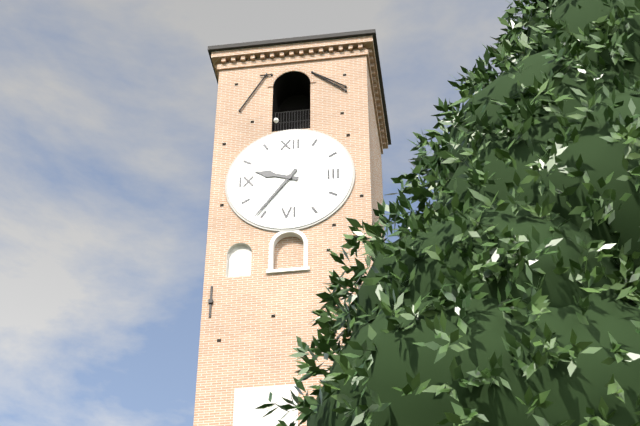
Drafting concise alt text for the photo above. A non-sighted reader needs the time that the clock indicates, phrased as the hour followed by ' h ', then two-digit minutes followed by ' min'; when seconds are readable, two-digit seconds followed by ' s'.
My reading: 9 h 36 min
